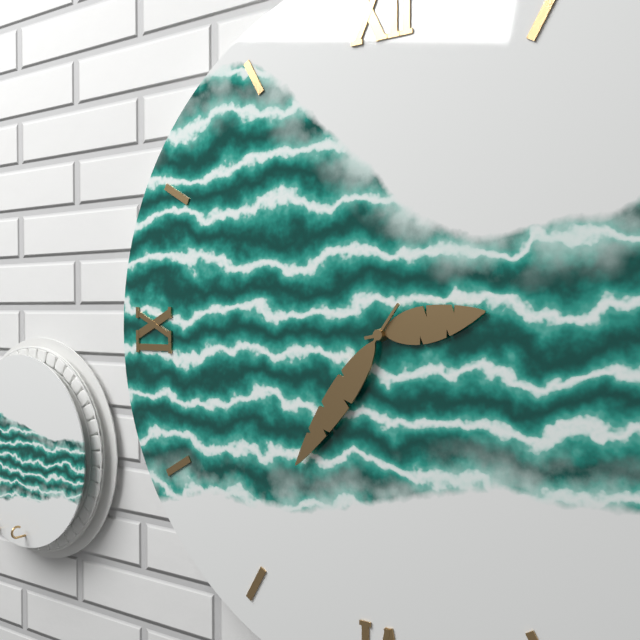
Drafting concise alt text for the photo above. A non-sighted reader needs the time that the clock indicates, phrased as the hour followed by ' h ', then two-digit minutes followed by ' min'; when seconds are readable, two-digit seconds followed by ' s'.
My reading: 2 h 36 min
